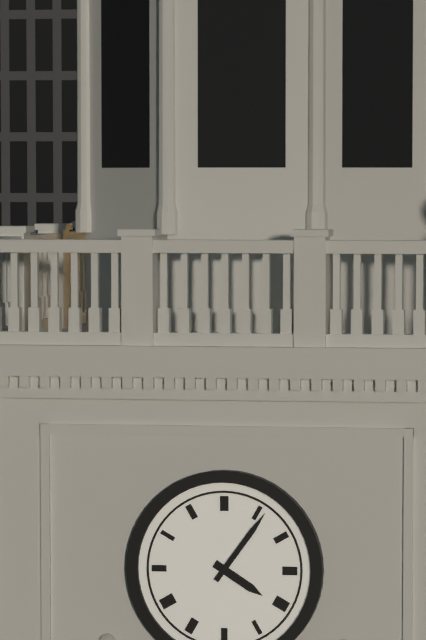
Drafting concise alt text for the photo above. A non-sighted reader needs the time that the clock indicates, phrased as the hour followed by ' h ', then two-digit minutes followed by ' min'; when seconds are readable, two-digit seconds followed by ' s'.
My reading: 4 h 06 min
